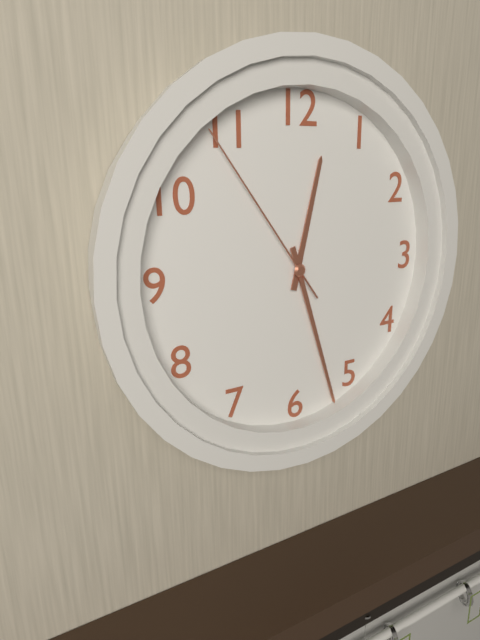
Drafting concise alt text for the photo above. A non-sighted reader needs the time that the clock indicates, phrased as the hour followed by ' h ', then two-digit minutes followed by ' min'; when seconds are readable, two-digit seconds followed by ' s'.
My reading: 12 h 27 min 54 s
